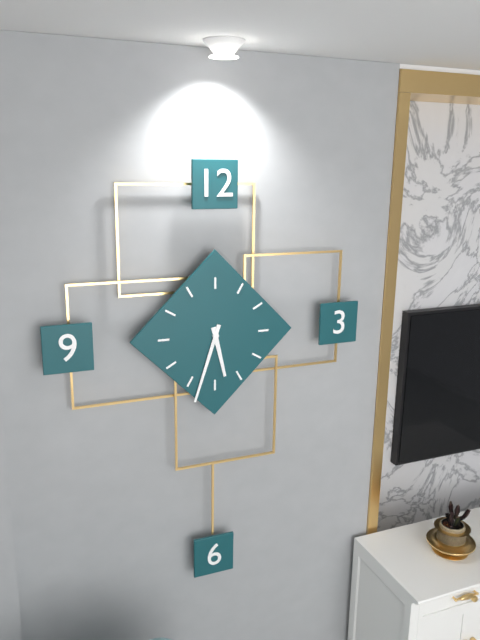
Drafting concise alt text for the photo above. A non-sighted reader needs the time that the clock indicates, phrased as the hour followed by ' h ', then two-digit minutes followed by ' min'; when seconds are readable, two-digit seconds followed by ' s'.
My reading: 5 h 33 min
